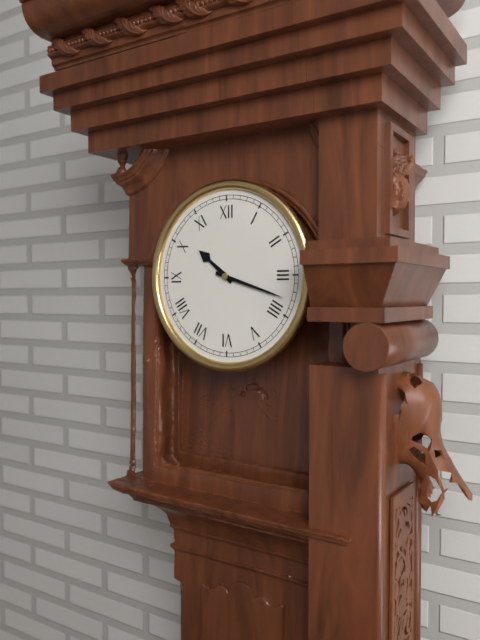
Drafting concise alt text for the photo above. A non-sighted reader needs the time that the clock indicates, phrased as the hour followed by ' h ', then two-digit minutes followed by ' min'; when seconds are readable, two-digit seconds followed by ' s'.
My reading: 10 h 18 min
